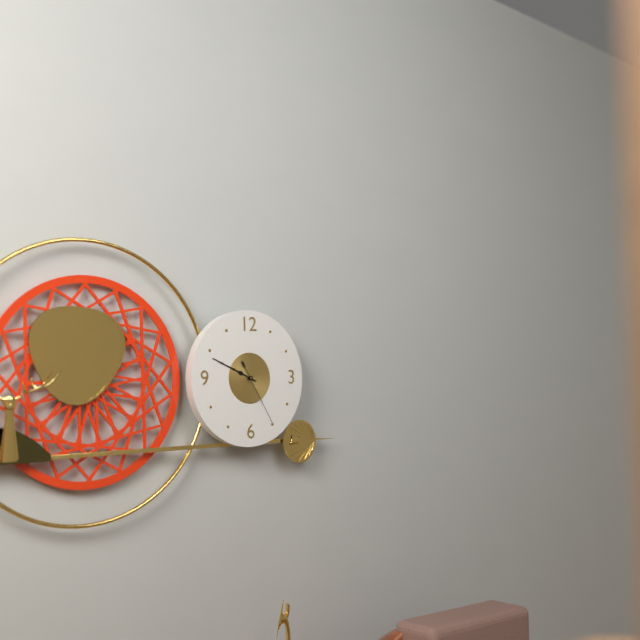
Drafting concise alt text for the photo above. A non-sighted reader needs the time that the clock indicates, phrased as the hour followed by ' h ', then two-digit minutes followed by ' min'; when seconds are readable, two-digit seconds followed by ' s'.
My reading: 9 h 49 min 25 s
